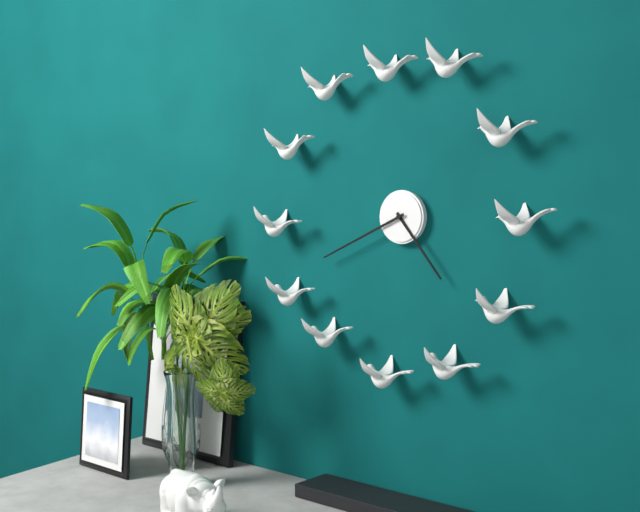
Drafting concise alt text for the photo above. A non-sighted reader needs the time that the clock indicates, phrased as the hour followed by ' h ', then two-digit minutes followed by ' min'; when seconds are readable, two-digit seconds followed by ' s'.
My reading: 4 h 41 min
